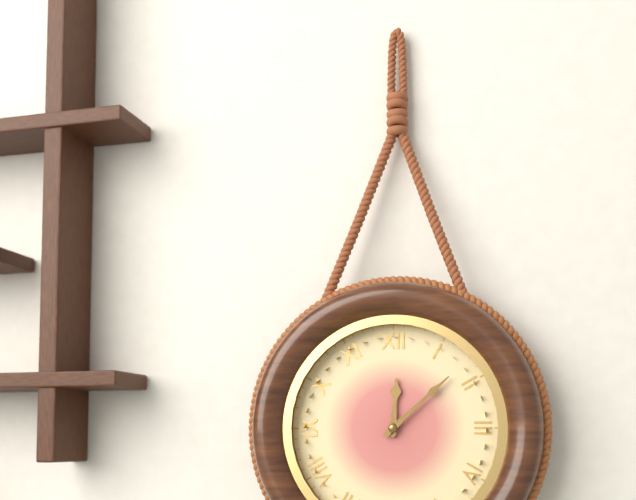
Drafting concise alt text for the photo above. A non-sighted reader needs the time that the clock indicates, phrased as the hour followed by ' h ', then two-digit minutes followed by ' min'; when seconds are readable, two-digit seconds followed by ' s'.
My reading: 12 h 08 min
